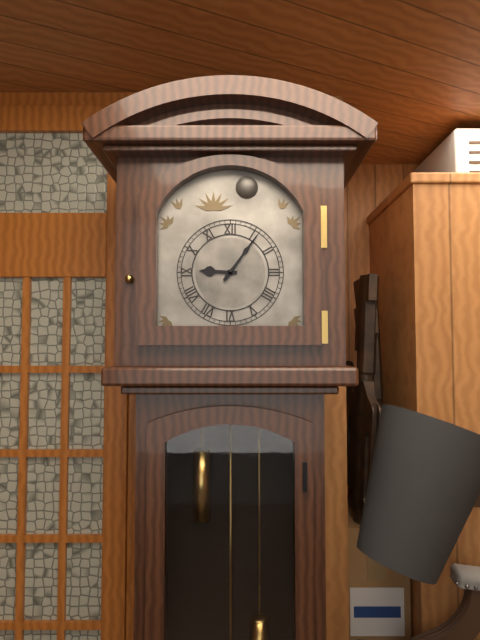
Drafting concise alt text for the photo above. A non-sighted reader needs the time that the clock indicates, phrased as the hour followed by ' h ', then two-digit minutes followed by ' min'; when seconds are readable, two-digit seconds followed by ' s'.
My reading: 9 h 06 min
